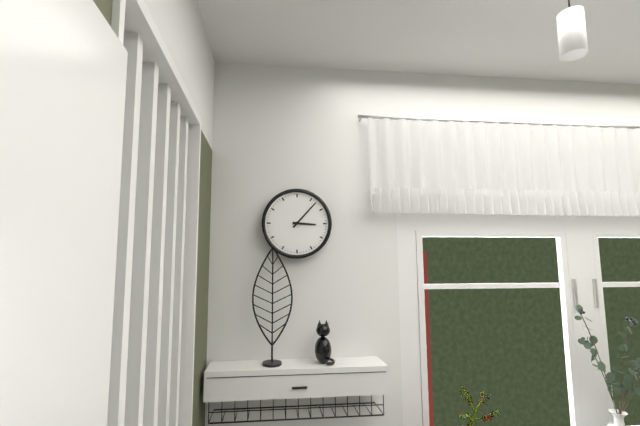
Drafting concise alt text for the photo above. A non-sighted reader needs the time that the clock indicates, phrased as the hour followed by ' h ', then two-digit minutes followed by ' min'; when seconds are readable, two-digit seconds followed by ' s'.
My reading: 3 h 07 min
